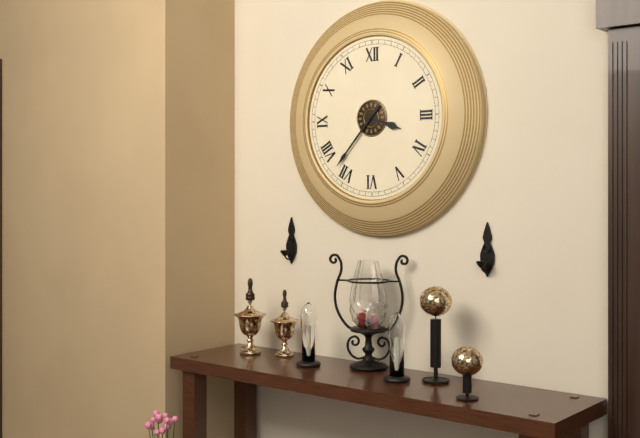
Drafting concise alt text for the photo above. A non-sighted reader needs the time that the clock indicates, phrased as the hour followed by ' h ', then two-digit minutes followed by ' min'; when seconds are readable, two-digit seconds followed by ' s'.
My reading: 3 h 37 min
